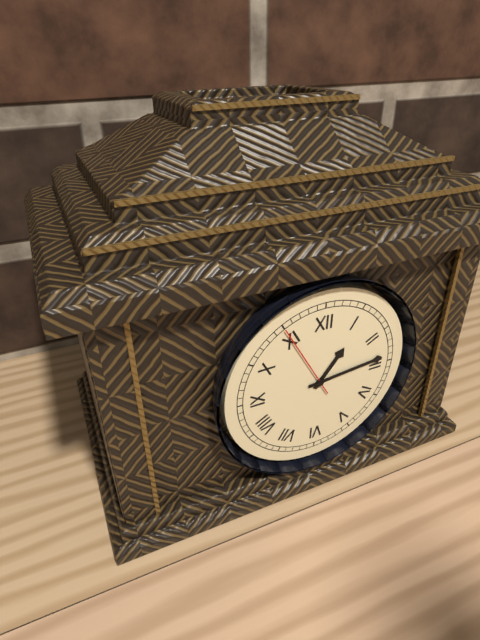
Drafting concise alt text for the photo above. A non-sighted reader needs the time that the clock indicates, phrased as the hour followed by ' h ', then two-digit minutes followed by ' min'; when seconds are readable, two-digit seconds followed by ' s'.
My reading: 1 h 14 min
